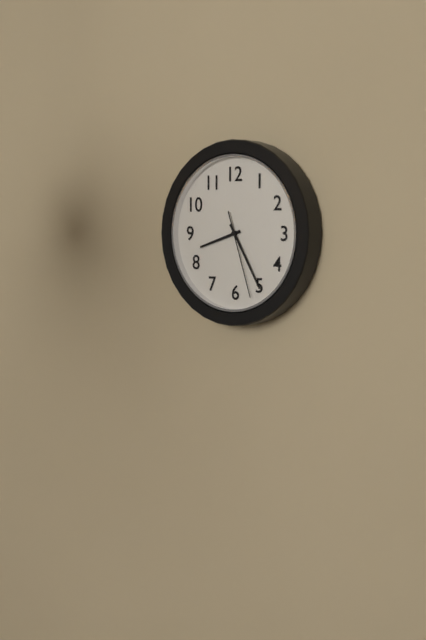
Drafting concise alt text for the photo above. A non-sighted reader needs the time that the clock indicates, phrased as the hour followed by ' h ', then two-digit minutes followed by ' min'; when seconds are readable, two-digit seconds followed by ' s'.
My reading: 8 h 25 min 27 s
